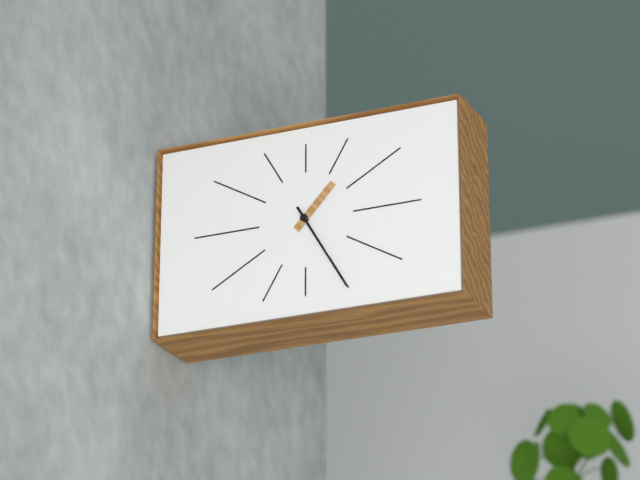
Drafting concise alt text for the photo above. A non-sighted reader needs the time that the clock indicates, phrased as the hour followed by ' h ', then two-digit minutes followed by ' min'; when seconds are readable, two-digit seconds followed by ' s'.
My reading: 1 h 25 min
